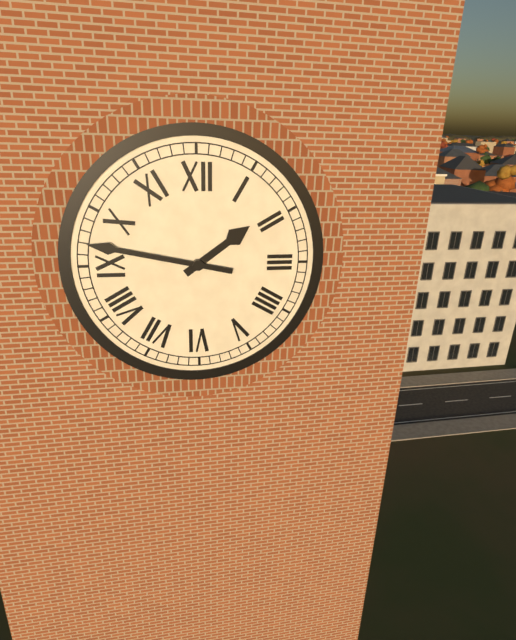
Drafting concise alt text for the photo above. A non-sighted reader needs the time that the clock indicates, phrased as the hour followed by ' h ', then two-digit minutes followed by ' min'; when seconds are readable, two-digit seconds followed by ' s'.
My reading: 1 h 47 min
